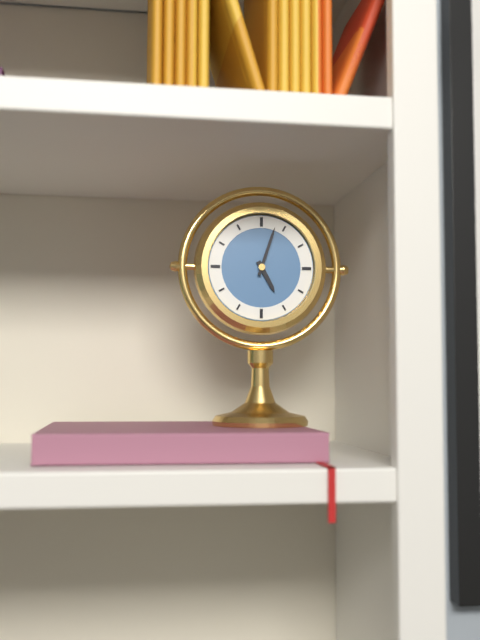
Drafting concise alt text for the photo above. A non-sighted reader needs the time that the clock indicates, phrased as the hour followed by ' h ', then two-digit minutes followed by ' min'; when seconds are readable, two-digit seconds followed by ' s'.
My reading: 5 h 03 min
